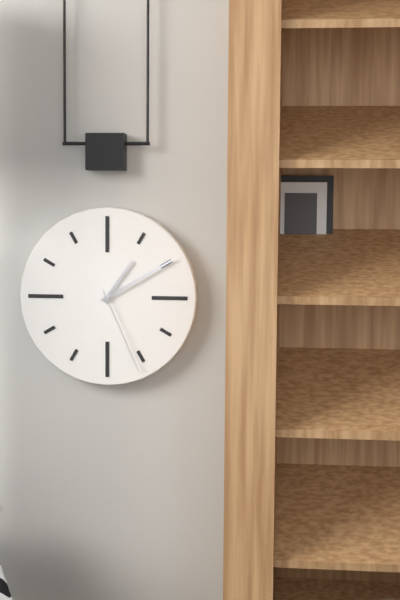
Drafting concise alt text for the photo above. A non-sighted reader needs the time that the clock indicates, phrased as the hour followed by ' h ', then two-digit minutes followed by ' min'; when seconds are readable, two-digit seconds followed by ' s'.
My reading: 1 h 10 min 26 s
